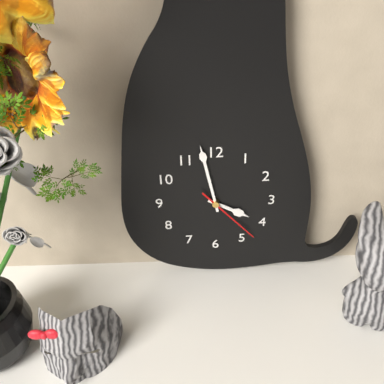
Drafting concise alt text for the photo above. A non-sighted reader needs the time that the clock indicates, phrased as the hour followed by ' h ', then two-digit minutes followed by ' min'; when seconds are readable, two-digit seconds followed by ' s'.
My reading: 3 h 58 min 23 s
